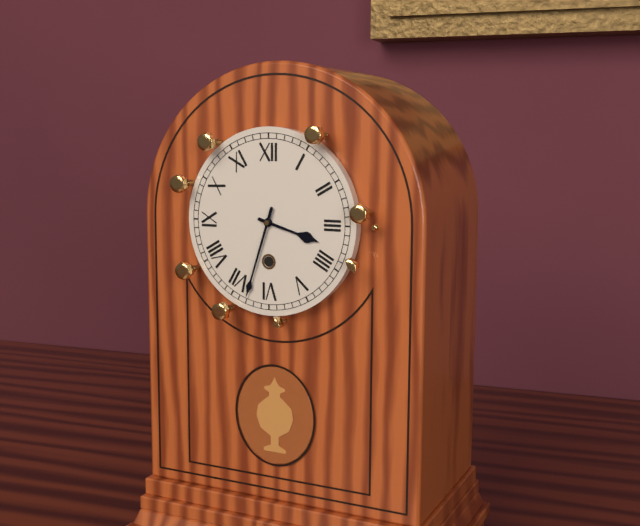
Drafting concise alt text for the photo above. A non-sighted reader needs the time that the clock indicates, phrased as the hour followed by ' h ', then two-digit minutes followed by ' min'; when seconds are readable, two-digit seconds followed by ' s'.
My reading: 3 h 33 min
